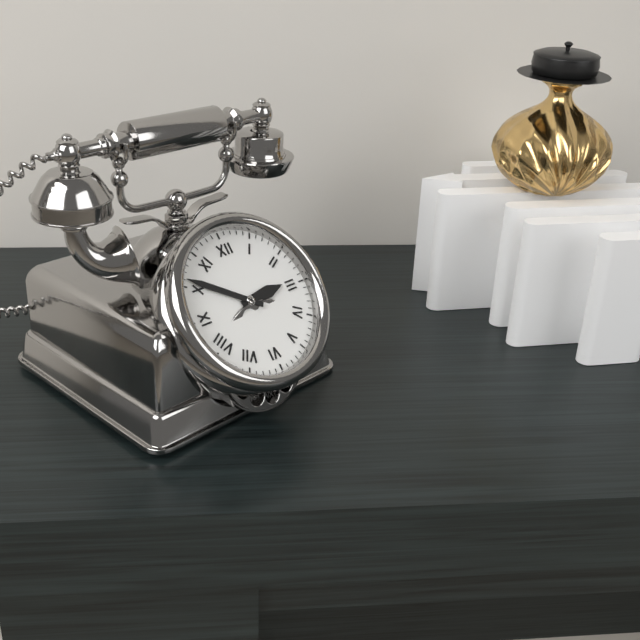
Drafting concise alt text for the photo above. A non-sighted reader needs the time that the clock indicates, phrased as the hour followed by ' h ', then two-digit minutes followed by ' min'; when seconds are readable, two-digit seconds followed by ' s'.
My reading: 2 h 51 min
